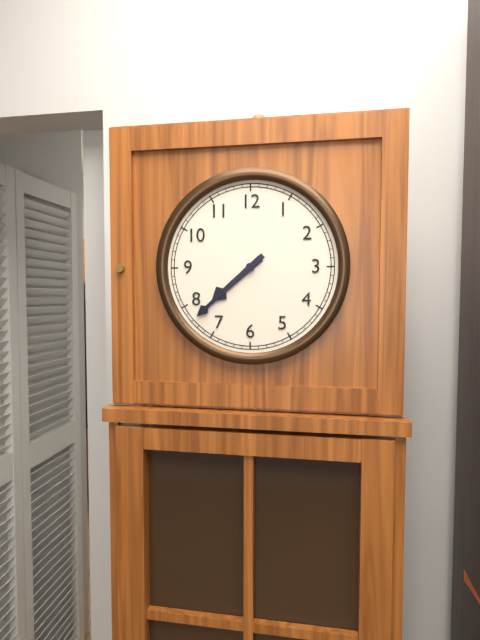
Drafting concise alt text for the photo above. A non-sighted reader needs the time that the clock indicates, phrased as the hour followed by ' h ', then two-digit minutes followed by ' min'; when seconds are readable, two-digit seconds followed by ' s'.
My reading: 7 h 38 min
